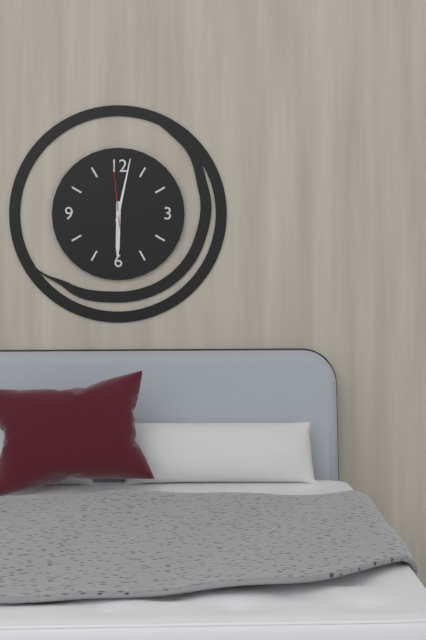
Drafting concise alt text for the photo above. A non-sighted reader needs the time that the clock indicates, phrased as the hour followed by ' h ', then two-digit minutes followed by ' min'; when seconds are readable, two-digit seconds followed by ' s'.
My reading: 6 h 02 min 59 s
